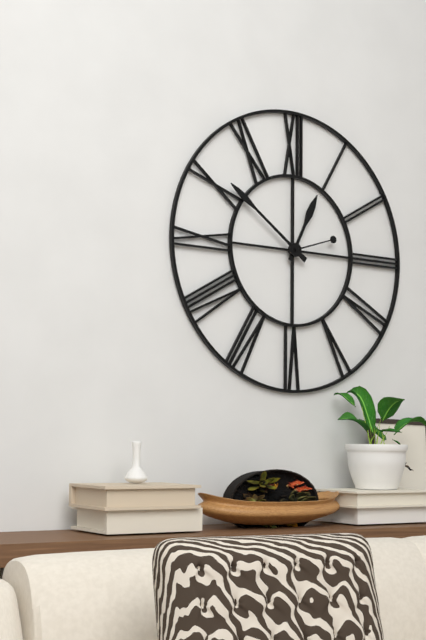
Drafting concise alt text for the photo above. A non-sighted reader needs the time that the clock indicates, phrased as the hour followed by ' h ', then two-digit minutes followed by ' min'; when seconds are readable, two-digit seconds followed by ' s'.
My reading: 12 h 51 min 12 s
